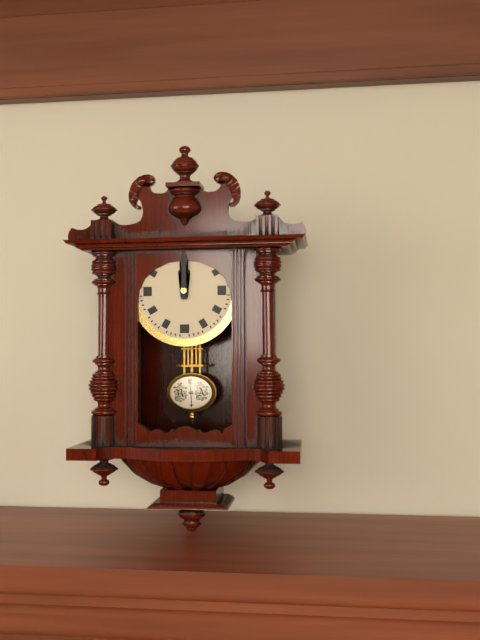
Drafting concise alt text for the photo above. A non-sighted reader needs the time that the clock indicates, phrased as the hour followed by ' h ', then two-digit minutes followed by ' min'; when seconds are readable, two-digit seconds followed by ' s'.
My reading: 12 h 00 min
